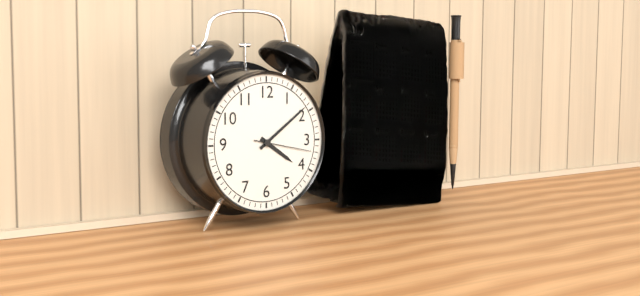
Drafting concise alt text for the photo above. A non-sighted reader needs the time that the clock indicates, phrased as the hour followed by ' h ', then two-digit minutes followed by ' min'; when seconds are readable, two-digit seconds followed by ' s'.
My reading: 4 h 09 min 17 s
